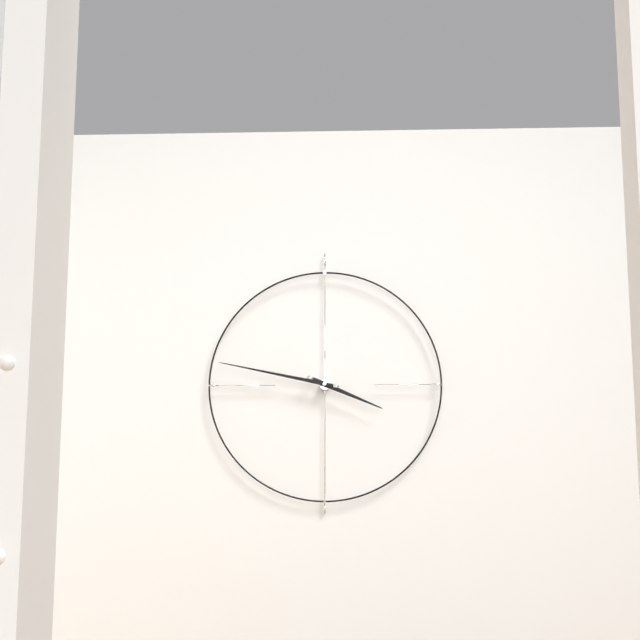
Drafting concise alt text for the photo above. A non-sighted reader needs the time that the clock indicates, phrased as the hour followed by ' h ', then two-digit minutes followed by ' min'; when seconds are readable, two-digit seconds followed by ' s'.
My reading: 3 h 47 min
